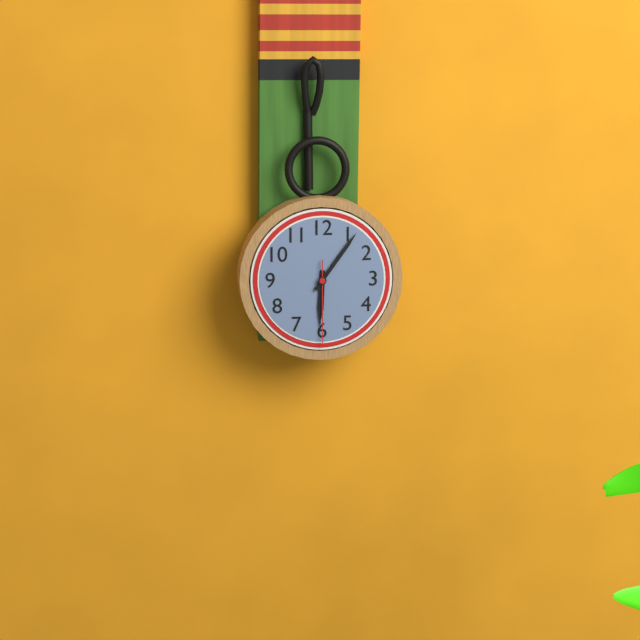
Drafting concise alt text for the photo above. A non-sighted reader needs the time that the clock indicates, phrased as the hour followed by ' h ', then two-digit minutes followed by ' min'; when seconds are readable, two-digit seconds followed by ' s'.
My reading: 6 h 06 min 30 s
